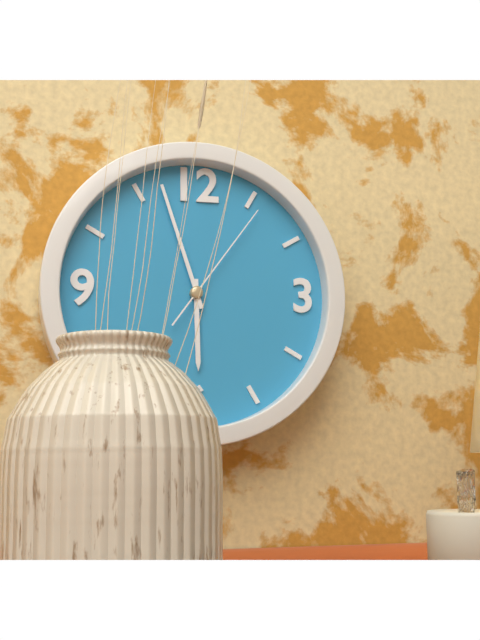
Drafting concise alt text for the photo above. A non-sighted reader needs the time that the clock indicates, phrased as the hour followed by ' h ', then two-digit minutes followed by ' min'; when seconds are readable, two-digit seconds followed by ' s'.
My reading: 5 h 57 min 06 s
